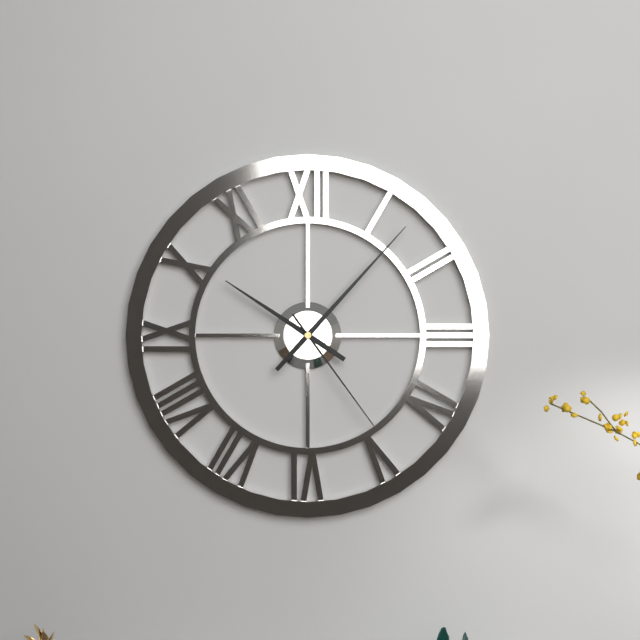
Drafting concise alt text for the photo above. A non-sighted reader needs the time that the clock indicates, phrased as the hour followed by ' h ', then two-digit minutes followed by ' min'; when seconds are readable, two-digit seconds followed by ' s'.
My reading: 10 h 07 min 24 s
